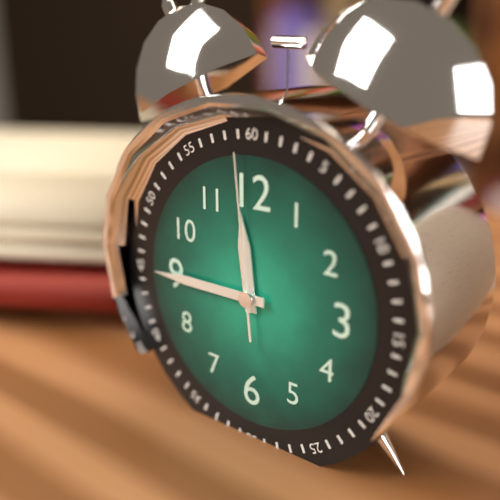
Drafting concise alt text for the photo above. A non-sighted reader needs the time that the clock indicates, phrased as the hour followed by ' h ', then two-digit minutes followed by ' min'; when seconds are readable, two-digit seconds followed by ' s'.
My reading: 11 h 45 min 59 s
